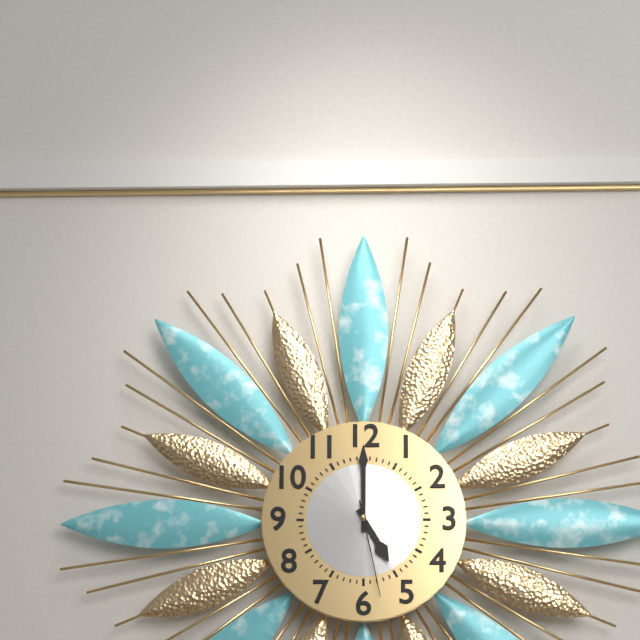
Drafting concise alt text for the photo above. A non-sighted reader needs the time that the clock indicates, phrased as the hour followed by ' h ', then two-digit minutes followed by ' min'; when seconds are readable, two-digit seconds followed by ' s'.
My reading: 5 h 00 min 28 s
